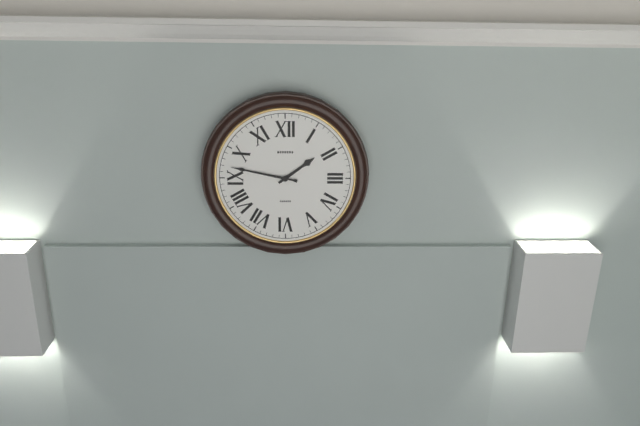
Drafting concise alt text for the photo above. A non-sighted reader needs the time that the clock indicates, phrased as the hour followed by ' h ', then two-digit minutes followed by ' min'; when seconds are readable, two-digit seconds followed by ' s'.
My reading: 1 h 47 min
